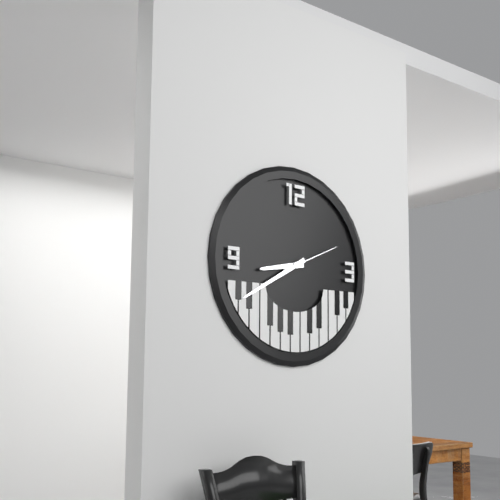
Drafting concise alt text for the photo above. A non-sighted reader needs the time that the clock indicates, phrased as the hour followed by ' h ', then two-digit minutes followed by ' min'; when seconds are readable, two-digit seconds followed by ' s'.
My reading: 8 h 40 min 11 s
